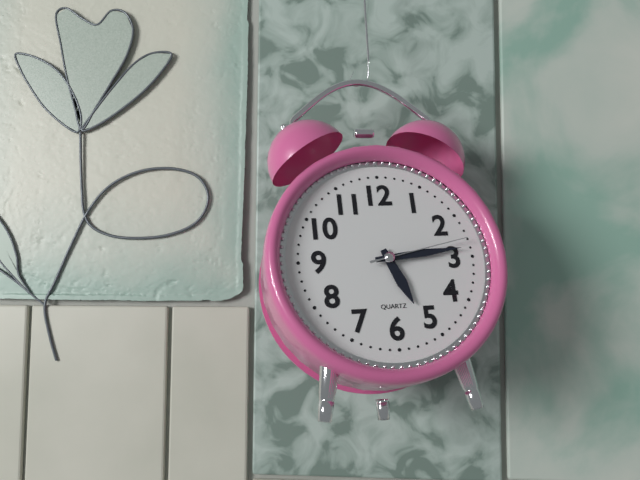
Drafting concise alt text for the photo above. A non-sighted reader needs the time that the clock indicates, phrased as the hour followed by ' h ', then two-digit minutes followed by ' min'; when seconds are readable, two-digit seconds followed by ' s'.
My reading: 5 h 14 min 13 s
